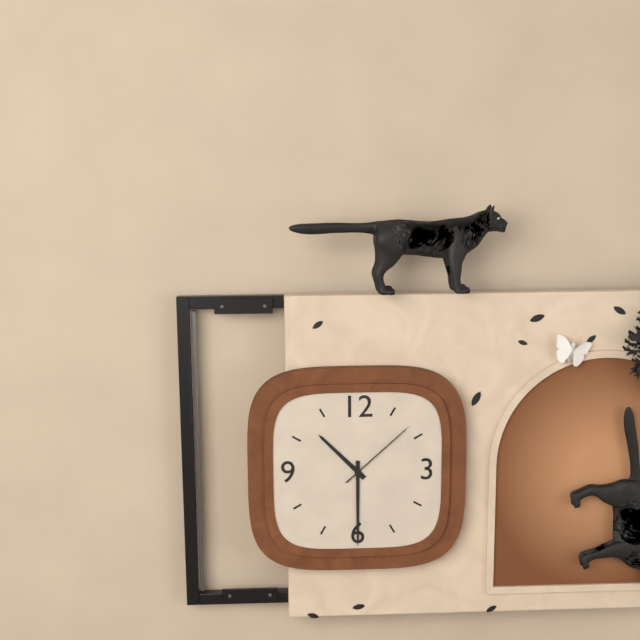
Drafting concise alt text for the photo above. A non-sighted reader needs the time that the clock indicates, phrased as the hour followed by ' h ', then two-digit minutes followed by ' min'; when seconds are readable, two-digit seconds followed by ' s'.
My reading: 10 h 30 min 08 s
